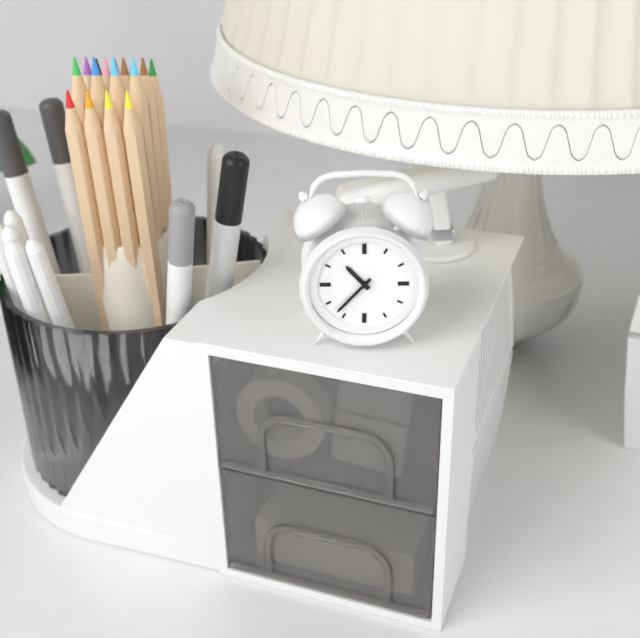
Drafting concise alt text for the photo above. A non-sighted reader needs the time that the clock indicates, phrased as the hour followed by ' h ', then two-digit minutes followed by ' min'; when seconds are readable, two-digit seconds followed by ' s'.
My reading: 10 h 37 min
